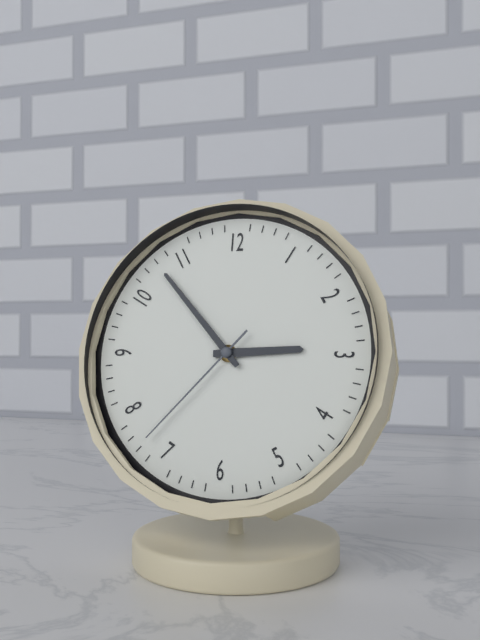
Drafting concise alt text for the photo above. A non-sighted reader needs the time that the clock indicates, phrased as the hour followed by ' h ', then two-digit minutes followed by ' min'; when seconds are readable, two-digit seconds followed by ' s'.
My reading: 2 h 53 min 37 s
